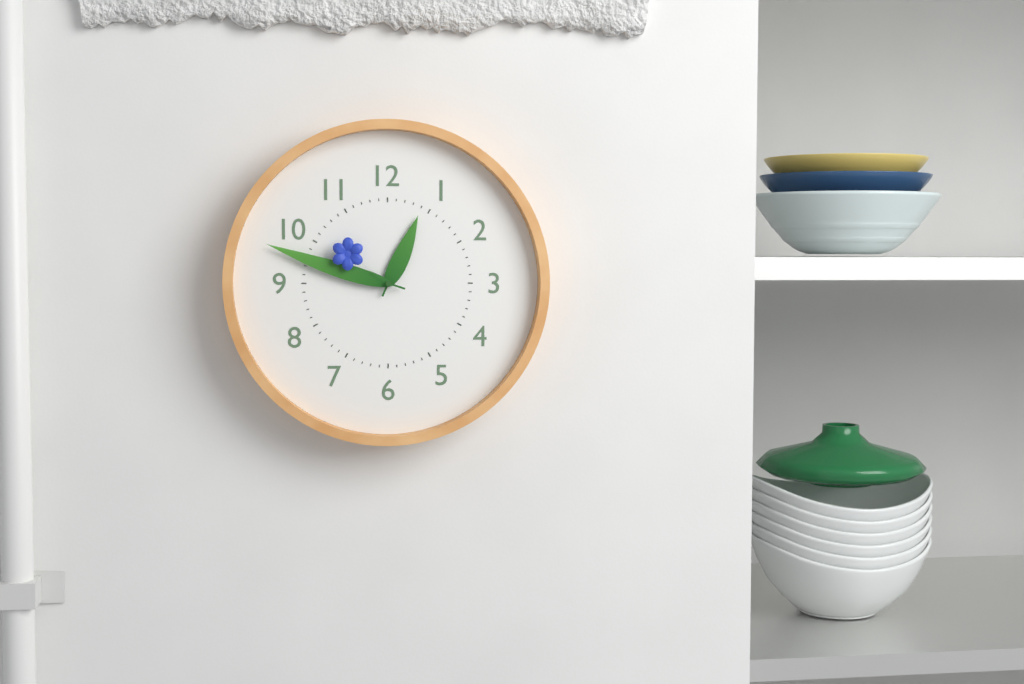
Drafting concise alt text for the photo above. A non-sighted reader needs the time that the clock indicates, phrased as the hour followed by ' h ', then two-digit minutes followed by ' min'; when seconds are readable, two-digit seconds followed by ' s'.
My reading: 12 h 48 min 51 s
